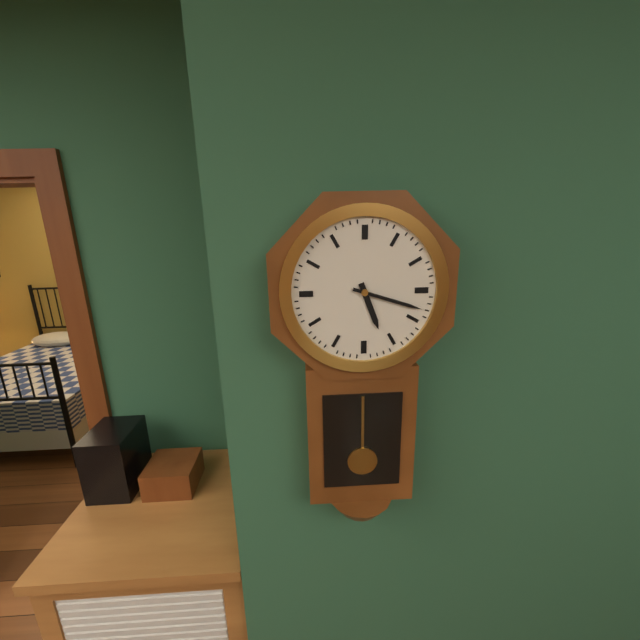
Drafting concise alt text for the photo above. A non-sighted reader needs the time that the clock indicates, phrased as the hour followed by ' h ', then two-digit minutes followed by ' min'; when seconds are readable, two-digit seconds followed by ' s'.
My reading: 5 h 18 min
